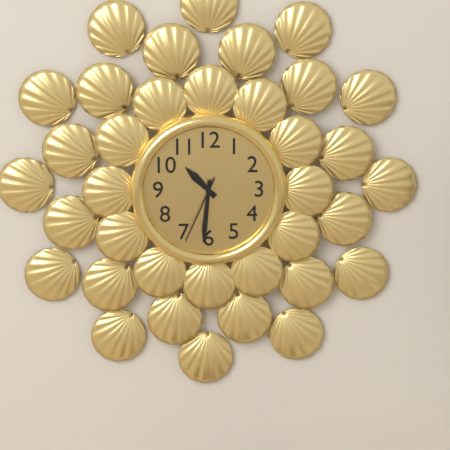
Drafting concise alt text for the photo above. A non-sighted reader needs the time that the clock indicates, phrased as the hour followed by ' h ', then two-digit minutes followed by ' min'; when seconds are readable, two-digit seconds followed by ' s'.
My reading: 10 h 31 min 34 s
